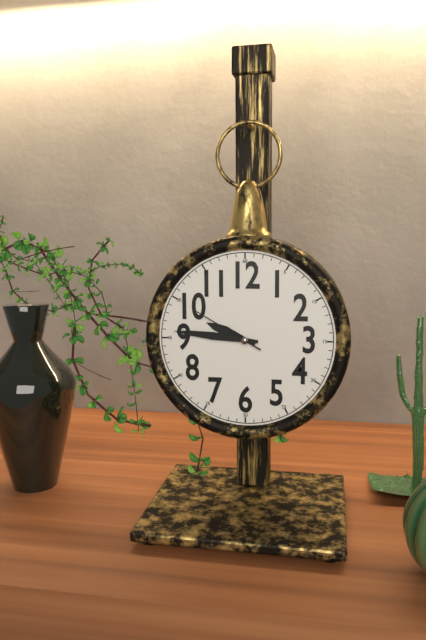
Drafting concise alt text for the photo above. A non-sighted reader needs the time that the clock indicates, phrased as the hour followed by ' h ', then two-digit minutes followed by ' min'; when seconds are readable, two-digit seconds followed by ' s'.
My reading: 9 h 46 min 50 s
